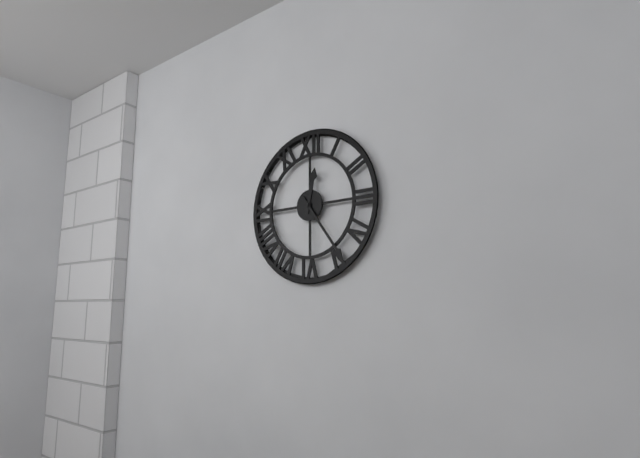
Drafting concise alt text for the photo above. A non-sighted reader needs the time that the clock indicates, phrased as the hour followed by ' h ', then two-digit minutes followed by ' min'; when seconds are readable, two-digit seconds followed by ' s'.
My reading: 12 h 24 min
